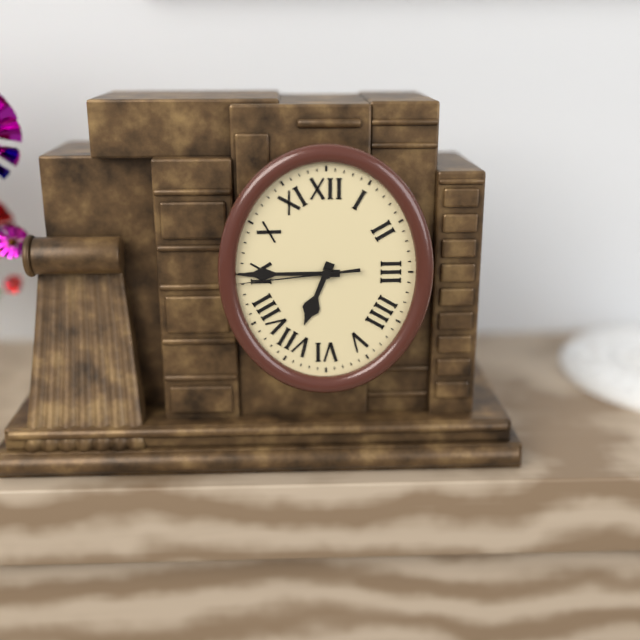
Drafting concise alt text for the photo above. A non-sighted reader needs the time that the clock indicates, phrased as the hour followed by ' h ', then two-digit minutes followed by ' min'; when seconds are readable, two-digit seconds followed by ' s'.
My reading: 6 h 45 min 44 s
